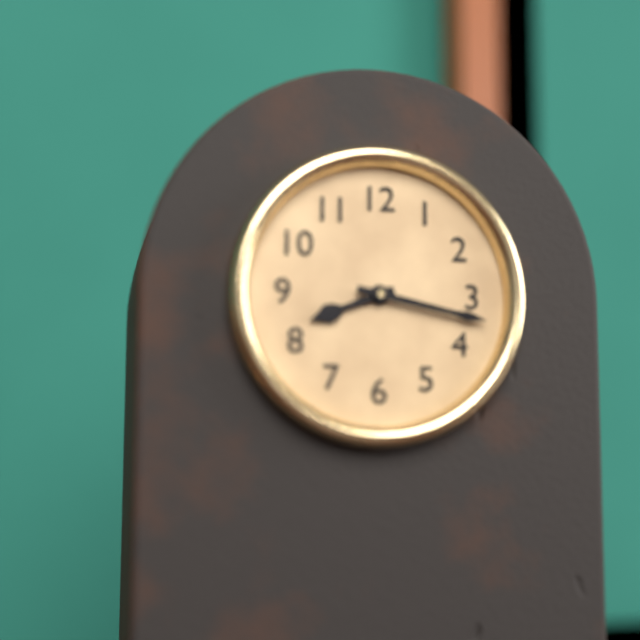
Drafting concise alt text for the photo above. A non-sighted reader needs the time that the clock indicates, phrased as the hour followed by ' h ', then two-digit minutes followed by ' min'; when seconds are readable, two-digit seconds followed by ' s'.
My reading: 8 h 17 min
